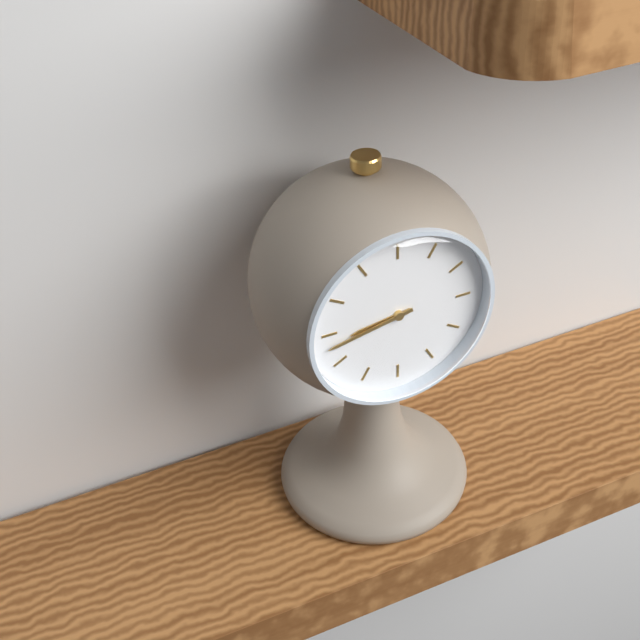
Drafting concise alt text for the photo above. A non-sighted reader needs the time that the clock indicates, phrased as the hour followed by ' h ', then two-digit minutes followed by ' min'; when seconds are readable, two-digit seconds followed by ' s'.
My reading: 8 h 43 min
